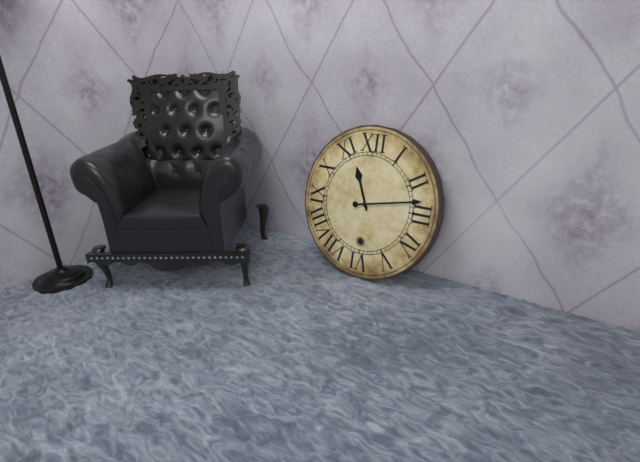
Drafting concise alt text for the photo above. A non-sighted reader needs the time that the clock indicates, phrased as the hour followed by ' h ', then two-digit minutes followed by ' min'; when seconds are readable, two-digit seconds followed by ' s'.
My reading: 11 h 13 min
